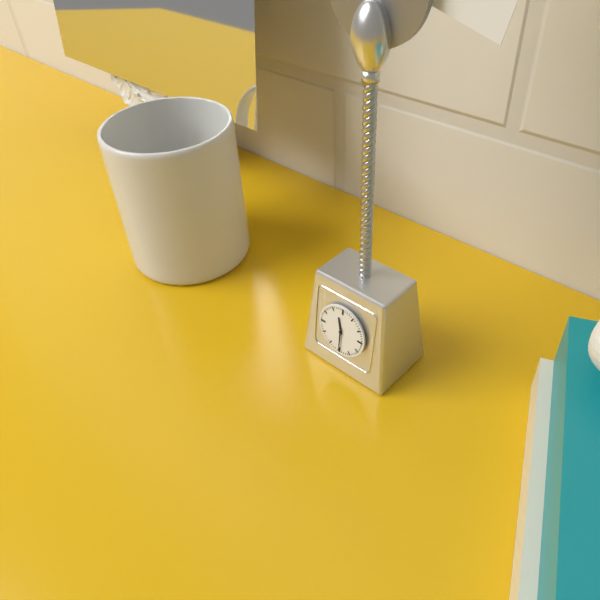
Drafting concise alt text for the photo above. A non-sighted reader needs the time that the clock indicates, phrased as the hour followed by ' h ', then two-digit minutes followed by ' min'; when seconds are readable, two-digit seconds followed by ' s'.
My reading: 11 h 30 min
